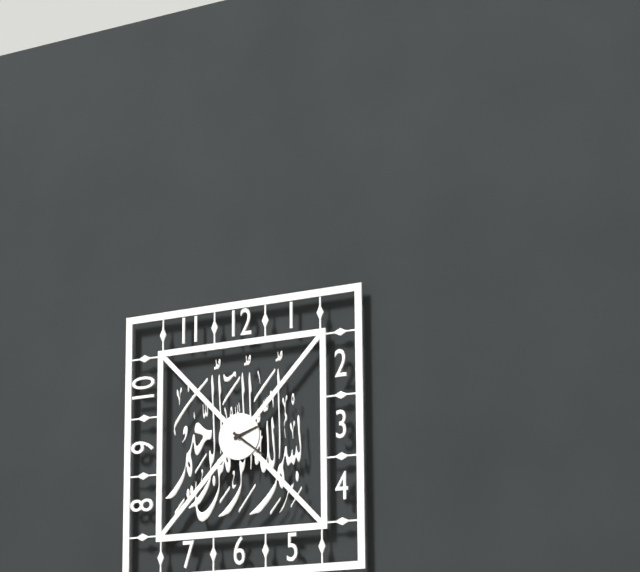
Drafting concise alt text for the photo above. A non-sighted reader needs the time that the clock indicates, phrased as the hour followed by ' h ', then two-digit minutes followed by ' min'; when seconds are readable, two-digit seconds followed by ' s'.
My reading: 2 h 21 min
